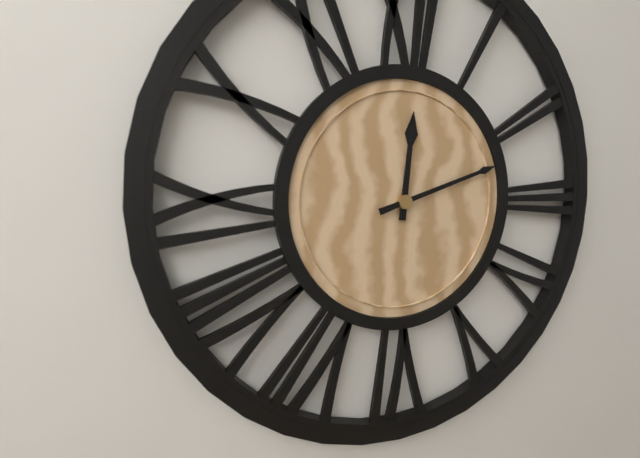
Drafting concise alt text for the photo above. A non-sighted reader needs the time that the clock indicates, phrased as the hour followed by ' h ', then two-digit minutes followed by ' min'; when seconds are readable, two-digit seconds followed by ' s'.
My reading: 12 h 12 min
